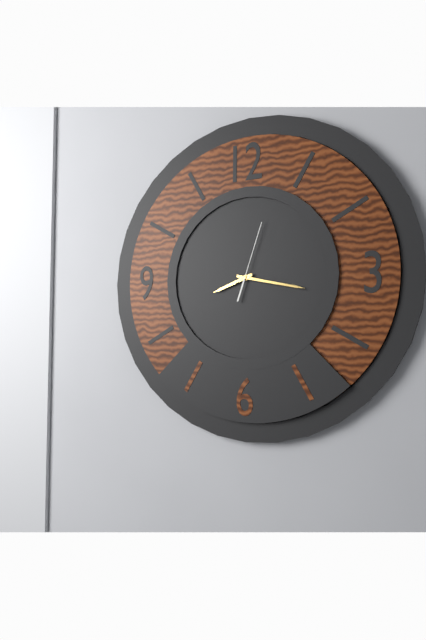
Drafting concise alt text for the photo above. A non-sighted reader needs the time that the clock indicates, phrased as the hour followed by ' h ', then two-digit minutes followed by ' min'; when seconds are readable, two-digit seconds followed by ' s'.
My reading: 8 h 17 min 03 s
